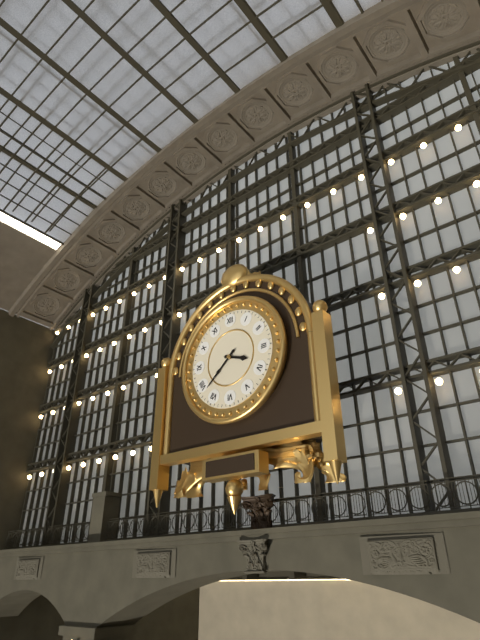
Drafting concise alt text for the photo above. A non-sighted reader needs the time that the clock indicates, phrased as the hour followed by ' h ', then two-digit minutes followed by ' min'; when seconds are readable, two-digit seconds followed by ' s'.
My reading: 3 h 38 min
